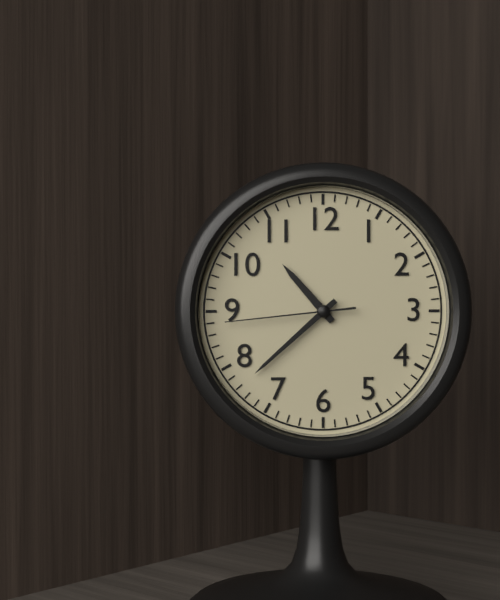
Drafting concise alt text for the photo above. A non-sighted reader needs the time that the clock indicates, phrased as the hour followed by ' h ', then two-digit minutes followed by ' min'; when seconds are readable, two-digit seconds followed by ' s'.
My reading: 10 h 38 min 44 s
